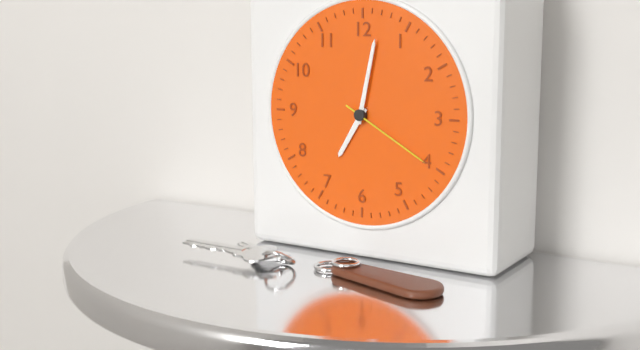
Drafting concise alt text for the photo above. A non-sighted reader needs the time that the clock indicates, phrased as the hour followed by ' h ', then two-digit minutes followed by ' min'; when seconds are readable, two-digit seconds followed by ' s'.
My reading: 7 h 02 min 20 s
